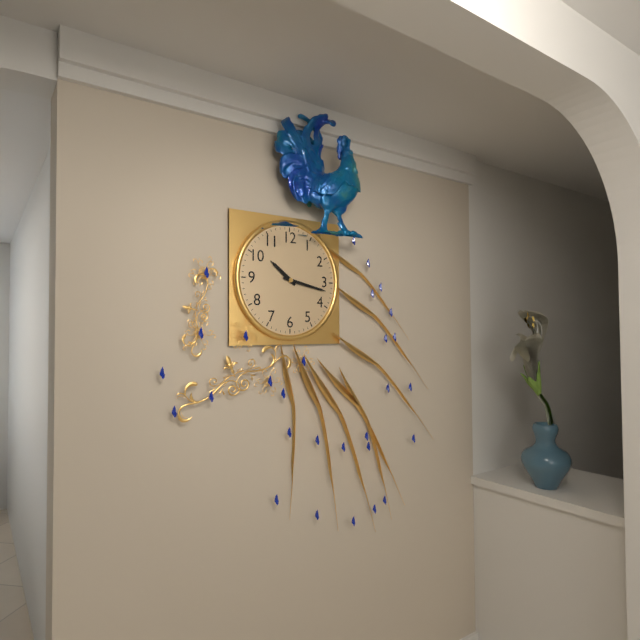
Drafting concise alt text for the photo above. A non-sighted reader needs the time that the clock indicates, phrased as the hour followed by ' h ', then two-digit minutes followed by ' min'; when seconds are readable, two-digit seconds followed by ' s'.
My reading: 10 h 17 min
